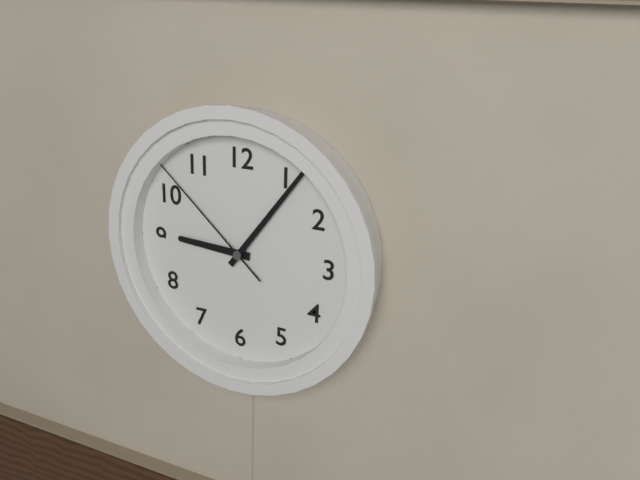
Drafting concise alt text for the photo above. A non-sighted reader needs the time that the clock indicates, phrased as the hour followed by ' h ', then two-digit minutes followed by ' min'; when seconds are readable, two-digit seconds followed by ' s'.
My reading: 9 h 06 min 52 s
